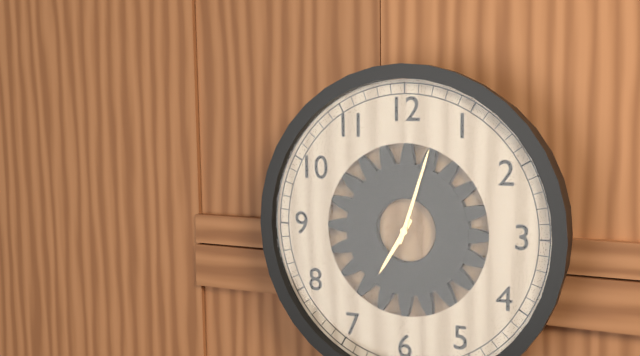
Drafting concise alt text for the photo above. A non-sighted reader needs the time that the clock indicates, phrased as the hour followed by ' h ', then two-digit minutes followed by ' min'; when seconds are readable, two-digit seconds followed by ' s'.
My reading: 7 h 03 min
